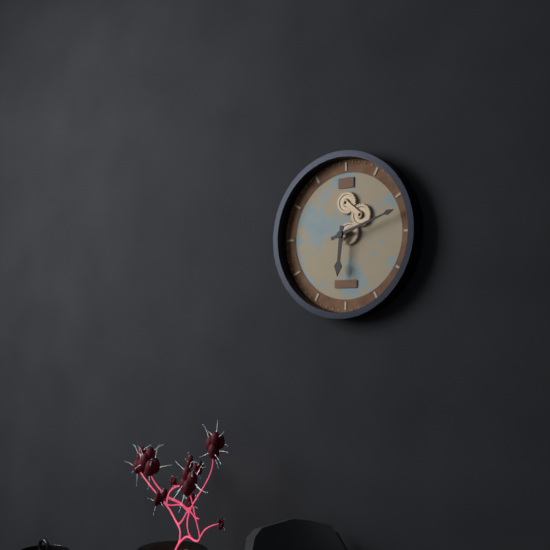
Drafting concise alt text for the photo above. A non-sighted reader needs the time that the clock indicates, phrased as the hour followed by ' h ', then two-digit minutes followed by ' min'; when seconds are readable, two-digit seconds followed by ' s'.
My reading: 6 h 12 min
